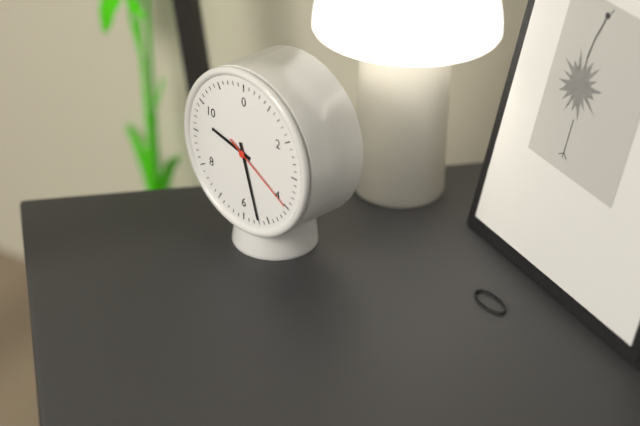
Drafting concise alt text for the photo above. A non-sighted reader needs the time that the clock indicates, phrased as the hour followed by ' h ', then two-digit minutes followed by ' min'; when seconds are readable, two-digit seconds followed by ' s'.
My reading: 9 h 27 min 20 s
